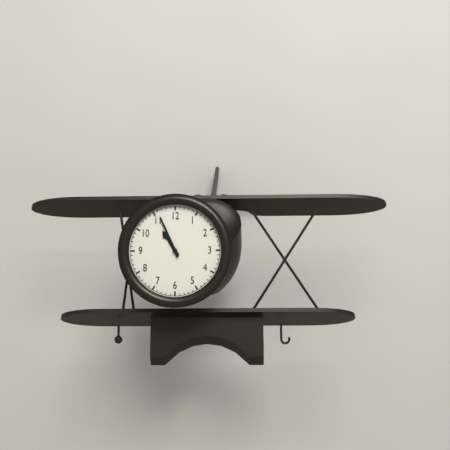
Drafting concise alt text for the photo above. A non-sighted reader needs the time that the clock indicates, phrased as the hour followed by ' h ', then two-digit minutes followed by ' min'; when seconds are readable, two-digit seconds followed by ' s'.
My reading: 10 h 56 min
